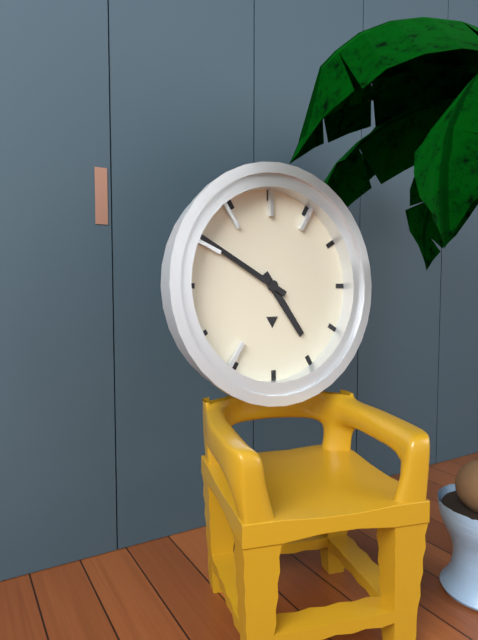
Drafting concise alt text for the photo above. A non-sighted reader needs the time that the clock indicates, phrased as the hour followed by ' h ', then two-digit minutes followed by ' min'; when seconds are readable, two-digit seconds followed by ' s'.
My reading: 4 h 50 min
